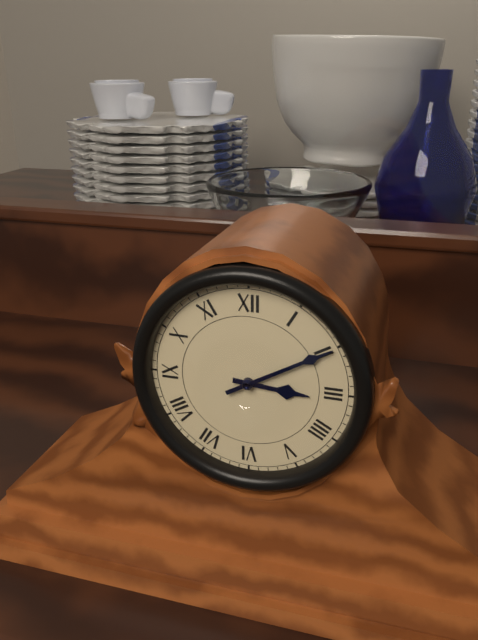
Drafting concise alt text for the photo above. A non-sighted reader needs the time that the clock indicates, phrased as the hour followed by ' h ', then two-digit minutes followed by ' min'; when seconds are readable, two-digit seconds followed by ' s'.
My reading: 3 h 10 min
